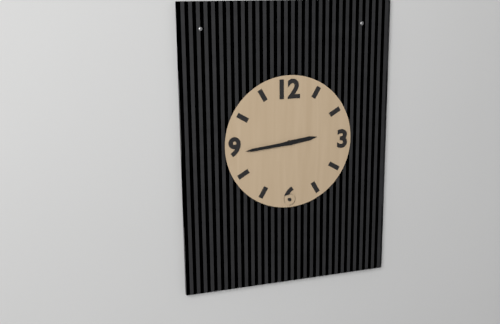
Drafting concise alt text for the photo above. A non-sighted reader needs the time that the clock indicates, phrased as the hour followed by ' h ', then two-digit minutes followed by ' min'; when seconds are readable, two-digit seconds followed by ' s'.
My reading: 2 h 44 min
